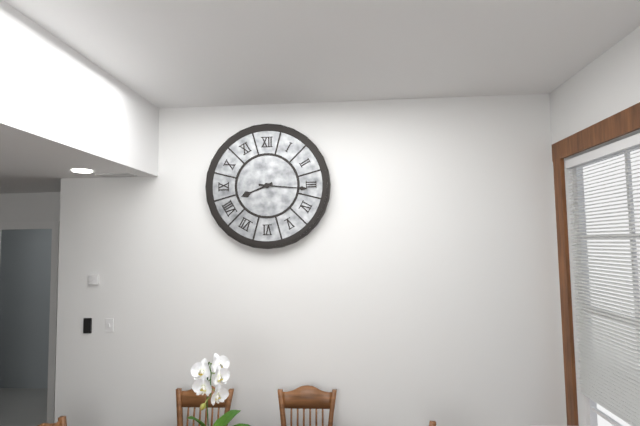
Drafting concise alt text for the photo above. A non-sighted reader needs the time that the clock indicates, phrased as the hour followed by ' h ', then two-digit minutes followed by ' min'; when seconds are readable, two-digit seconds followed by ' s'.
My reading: 8 h 16 min
